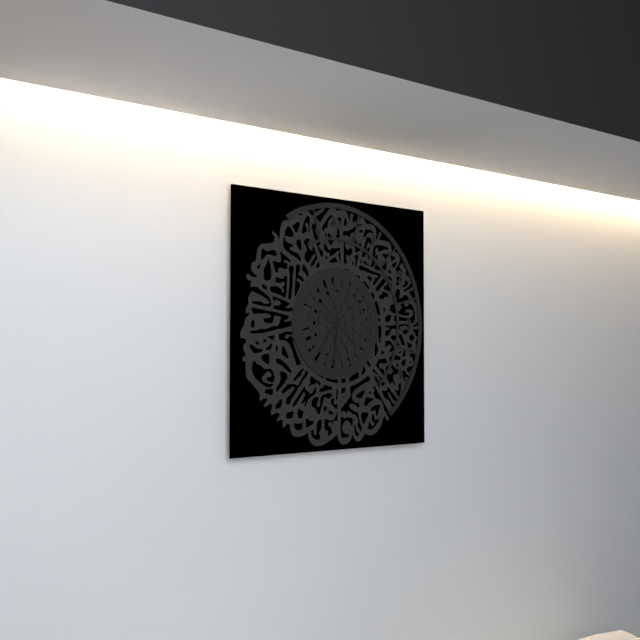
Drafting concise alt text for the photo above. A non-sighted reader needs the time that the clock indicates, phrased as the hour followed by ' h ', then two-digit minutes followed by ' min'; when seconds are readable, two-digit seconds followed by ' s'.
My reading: 7 h 31 min
